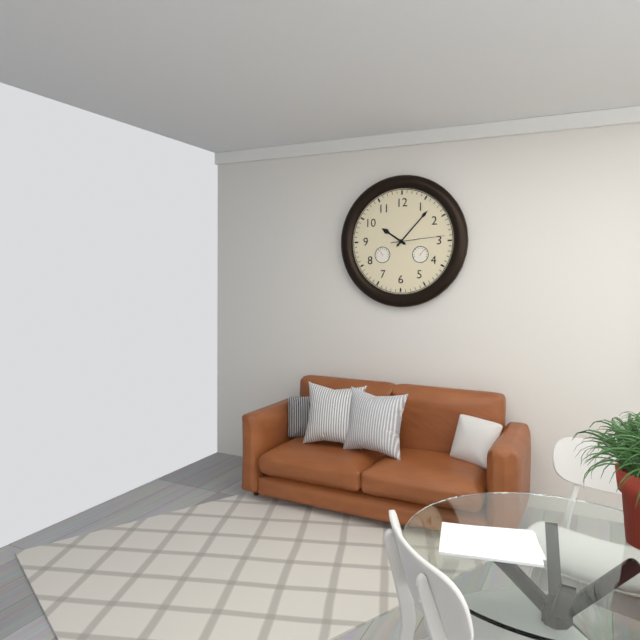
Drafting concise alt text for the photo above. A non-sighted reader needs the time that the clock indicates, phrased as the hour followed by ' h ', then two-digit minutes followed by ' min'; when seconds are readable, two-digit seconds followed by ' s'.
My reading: 10 h 07 min 14 s
